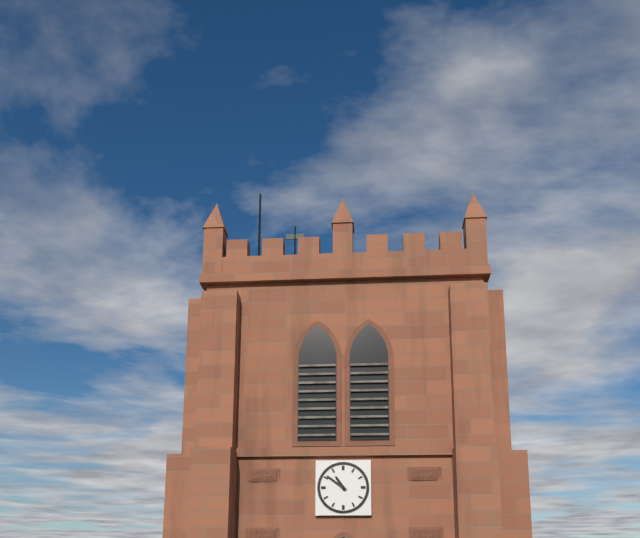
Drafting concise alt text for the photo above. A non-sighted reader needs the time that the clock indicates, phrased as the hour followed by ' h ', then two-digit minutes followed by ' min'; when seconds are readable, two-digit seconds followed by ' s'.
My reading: 10 h 51 min
